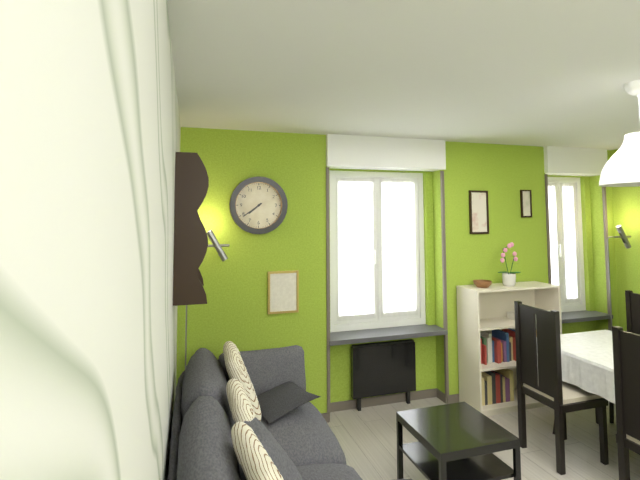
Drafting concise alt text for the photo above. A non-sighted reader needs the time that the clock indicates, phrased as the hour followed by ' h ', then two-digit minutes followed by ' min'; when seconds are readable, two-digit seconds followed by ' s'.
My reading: 7 h 39 min
